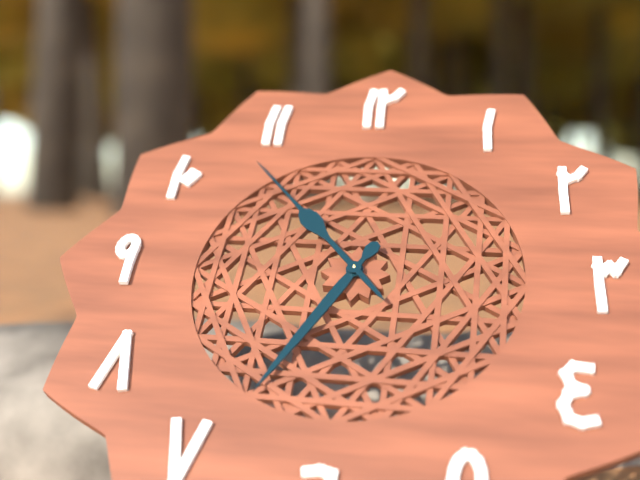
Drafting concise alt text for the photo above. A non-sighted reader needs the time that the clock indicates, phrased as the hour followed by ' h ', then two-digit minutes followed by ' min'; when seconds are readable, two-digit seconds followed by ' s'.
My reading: 6 h 53 min
